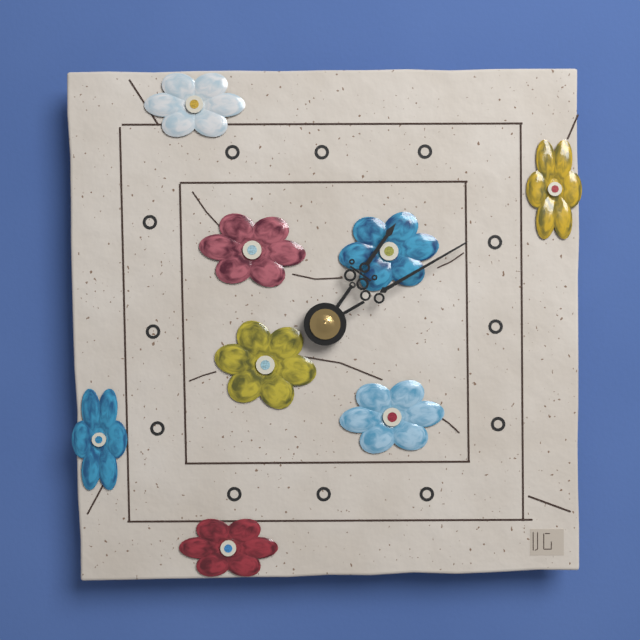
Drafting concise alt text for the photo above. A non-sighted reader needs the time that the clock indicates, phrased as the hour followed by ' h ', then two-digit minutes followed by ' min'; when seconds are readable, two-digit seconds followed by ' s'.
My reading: 1 h 10 min
